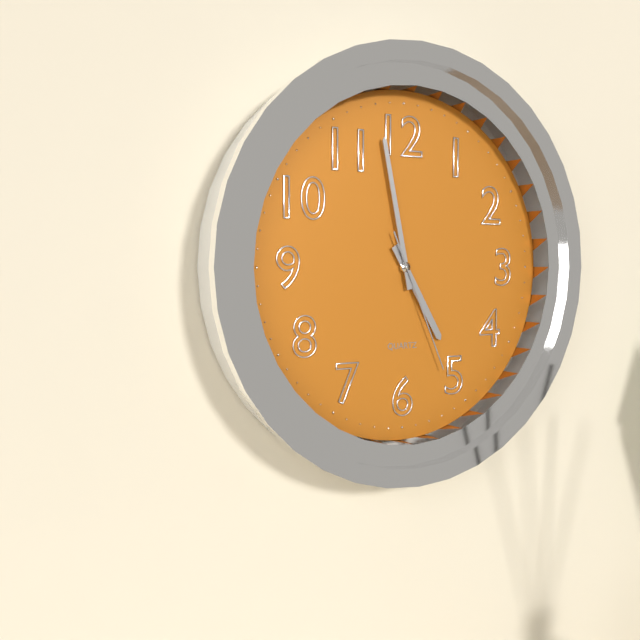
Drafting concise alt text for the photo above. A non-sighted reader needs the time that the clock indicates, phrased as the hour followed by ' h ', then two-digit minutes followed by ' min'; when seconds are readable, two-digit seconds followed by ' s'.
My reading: 4 h 58 min 26 s
